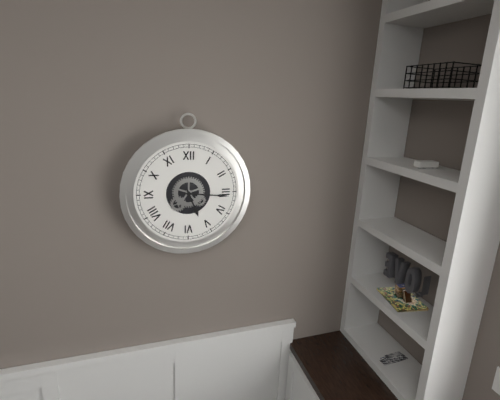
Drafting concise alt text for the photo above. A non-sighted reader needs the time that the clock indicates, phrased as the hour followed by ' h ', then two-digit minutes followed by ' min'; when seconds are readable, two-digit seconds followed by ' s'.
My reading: 5 h 16 min
